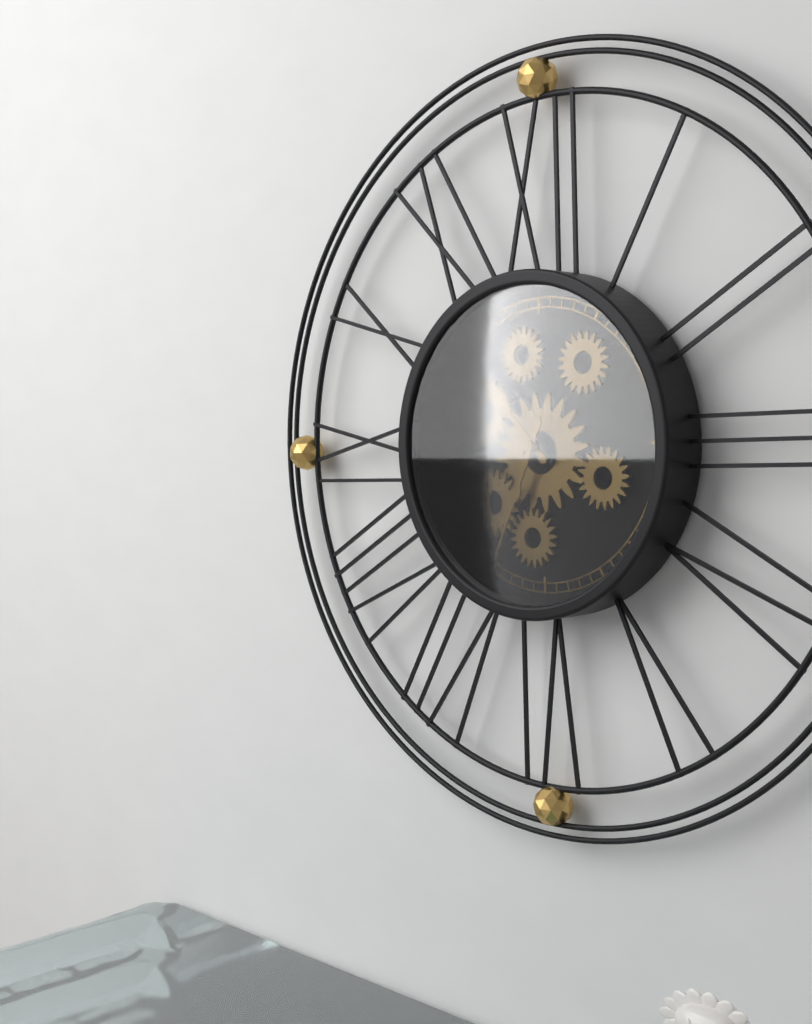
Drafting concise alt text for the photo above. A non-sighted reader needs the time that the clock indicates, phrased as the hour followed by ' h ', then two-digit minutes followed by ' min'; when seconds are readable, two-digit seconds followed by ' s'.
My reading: 10 h 34 min
